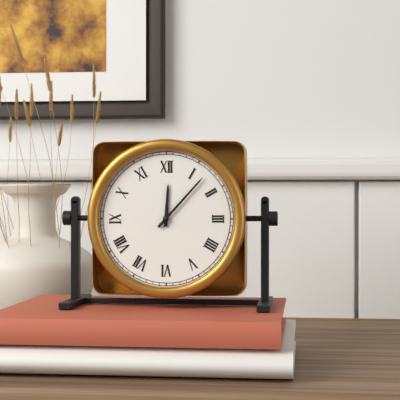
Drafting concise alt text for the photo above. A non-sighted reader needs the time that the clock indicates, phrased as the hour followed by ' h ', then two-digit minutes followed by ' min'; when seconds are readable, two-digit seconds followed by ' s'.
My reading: 12 h 07 min
